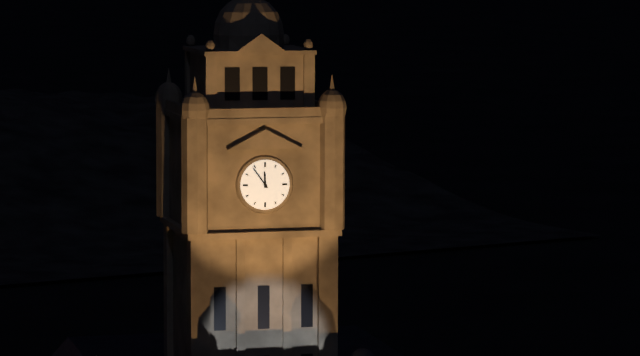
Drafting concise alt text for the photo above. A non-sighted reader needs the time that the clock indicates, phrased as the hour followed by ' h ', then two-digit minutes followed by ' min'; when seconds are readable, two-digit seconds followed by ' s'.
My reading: 11 h 54 min
